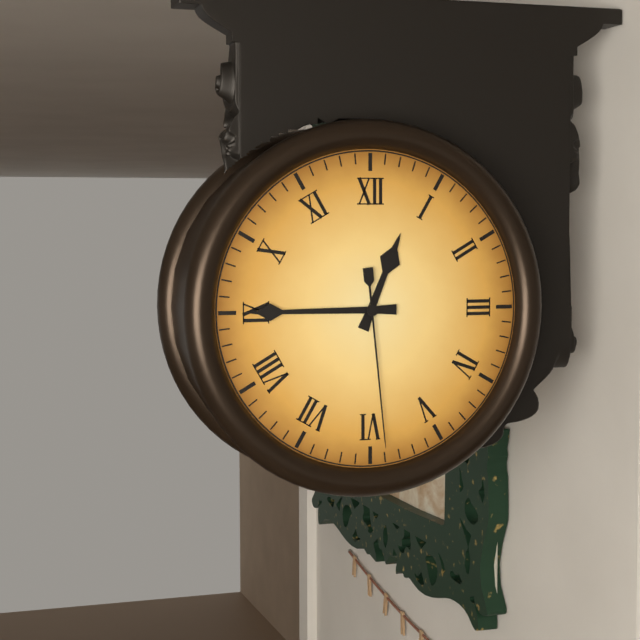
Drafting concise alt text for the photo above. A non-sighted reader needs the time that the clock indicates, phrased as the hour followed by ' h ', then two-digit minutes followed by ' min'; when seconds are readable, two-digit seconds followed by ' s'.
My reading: 12 h 45 min 29 s
